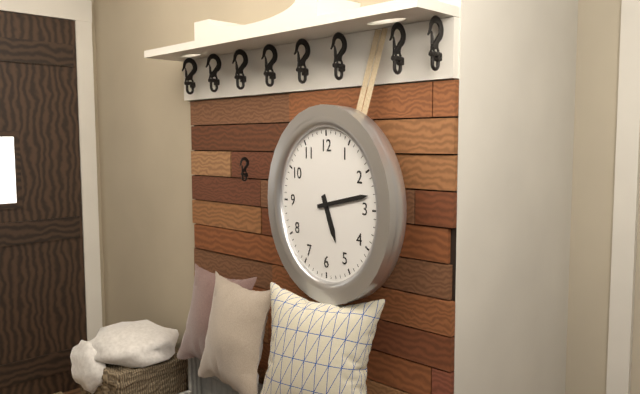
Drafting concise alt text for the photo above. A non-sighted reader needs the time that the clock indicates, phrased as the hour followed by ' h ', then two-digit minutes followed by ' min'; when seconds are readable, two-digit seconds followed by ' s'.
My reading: 5 h 13 min
